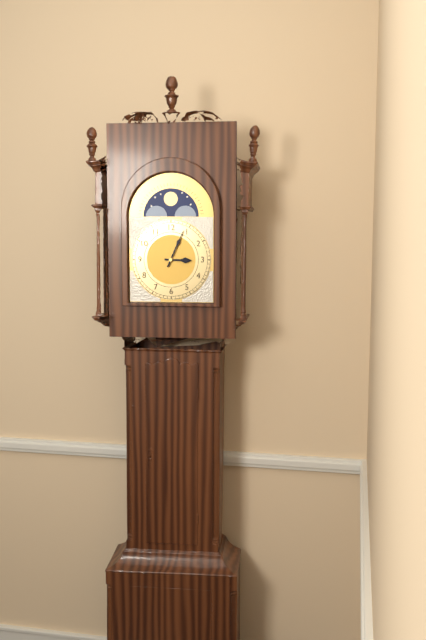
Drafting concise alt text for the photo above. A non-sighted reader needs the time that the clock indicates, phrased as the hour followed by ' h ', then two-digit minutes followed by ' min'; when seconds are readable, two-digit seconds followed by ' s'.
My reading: 3 h 04 min
